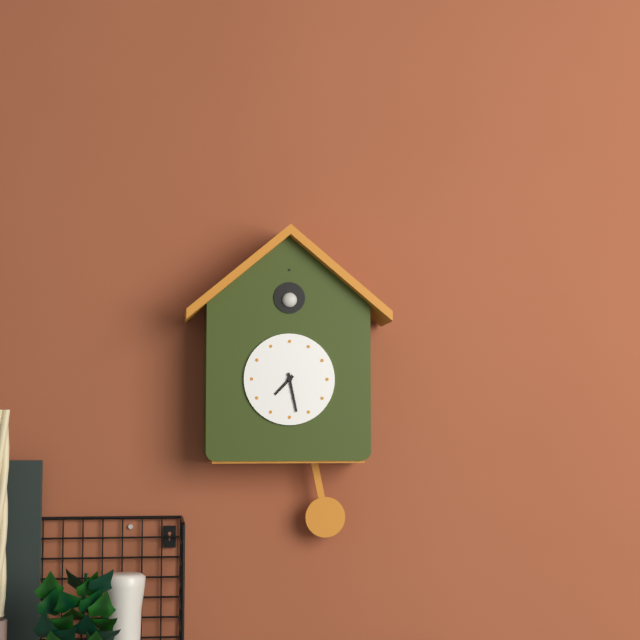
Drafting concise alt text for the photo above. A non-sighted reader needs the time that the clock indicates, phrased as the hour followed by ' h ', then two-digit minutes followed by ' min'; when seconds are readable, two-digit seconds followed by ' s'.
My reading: 7 h 28 min
